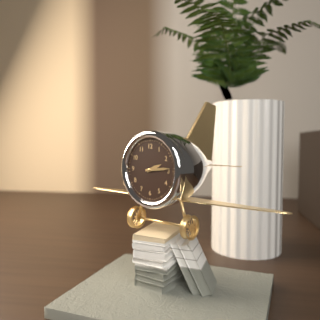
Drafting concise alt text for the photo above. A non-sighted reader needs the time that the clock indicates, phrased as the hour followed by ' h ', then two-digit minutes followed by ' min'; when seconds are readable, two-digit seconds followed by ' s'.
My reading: 2 h 14 min
